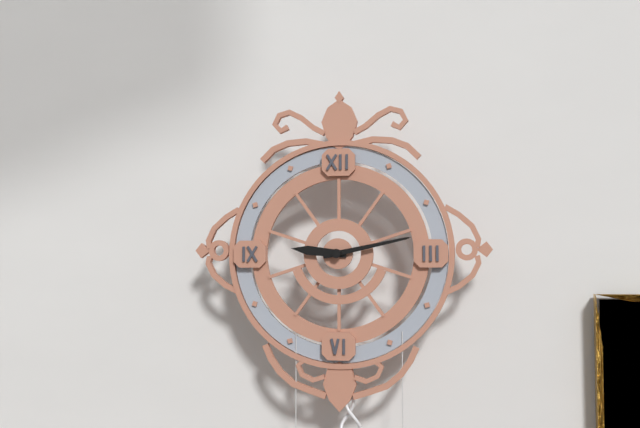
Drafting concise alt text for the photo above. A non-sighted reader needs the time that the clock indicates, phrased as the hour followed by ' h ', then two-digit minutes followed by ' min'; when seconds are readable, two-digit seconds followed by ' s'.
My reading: 9 h 13 min
